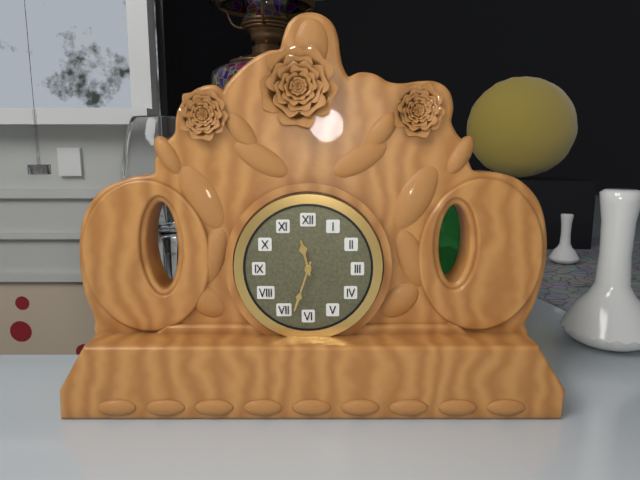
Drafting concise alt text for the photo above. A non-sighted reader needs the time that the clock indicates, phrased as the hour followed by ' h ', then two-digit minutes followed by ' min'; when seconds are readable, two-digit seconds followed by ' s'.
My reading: 11 h 33 min
